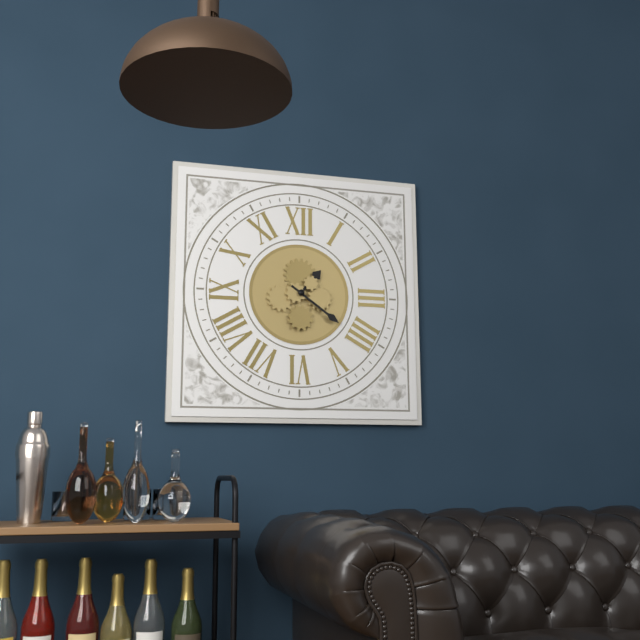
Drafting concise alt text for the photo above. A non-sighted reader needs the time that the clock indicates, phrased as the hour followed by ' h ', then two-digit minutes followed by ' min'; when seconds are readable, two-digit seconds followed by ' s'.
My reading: 1 h 21 min
